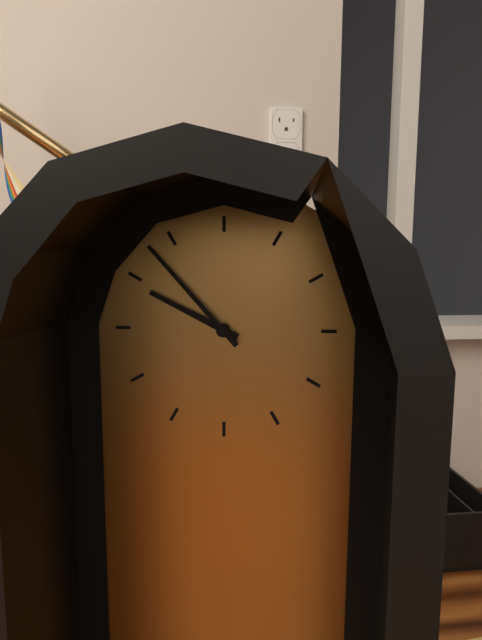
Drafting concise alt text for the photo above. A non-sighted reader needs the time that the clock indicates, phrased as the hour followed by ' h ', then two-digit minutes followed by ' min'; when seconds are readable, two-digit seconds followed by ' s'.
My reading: 9 h 53 min
